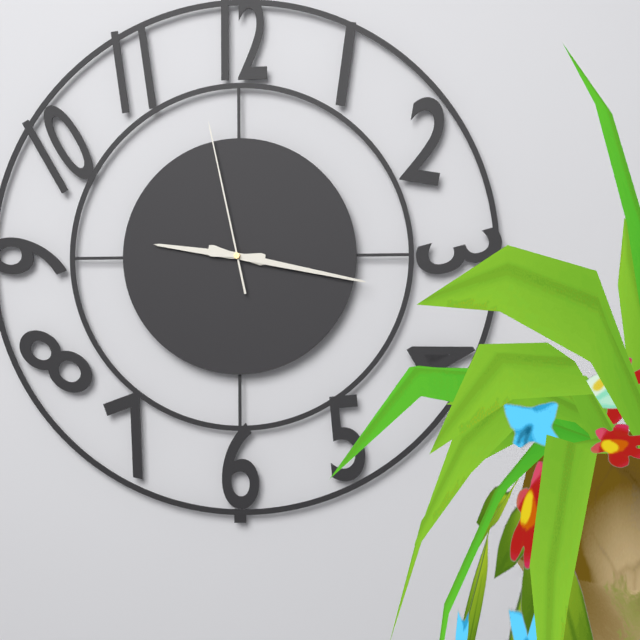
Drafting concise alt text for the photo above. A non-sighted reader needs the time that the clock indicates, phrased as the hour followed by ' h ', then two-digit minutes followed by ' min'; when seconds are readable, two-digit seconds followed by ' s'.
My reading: 9 h 17 min 58 s
